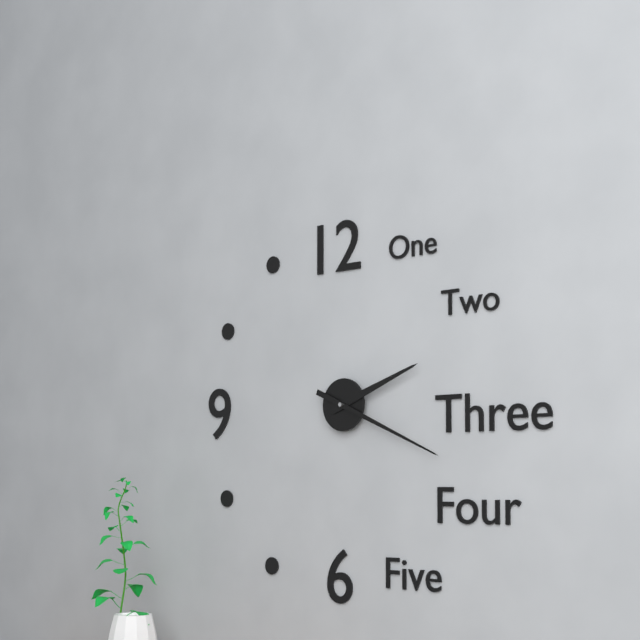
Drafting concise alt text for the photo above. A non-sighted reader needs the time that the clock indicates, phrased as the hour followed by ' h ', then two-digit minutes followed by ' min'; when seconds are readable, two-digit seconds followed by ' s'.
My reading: 2 h 19 min
